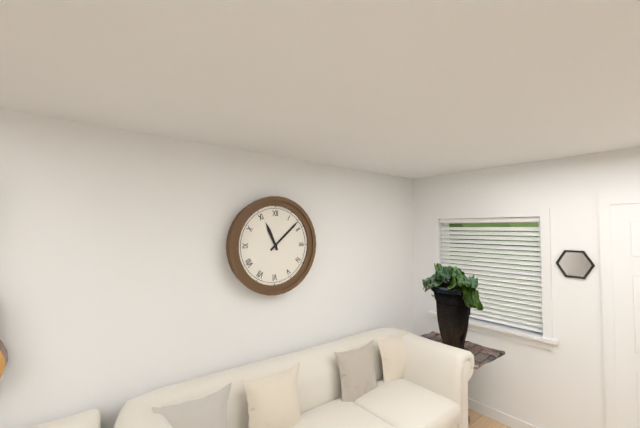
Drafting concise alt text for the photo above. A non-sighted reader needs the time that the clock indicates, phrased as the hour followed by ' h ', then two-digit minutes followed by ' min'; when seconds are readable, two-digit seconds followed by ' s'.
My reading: 11 h 08 min
